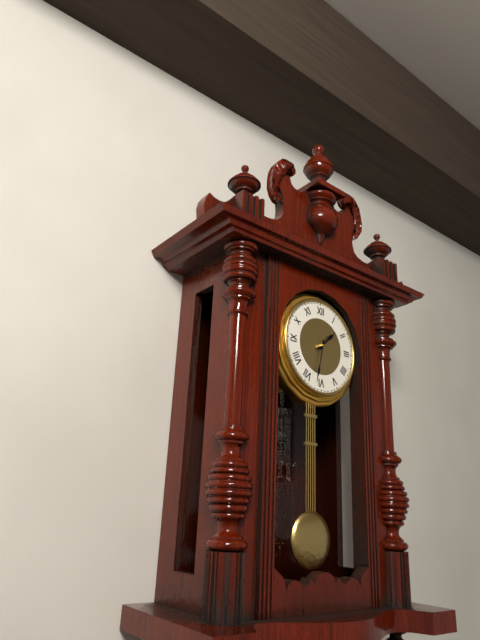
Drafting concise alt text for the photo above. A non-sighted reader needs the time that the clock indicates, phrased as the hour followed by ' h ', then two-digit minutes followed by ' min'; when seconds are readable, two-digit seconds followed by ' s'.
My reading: 1 h 32 min
